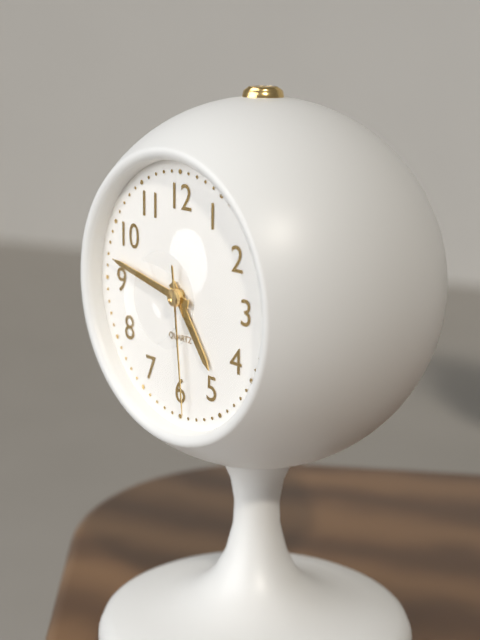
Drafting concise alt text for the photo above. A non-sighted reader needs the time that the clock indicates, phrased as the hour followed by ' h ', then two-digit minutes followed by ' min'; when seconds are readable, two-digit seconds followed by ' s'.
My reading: 4 h 47 min 29 s
